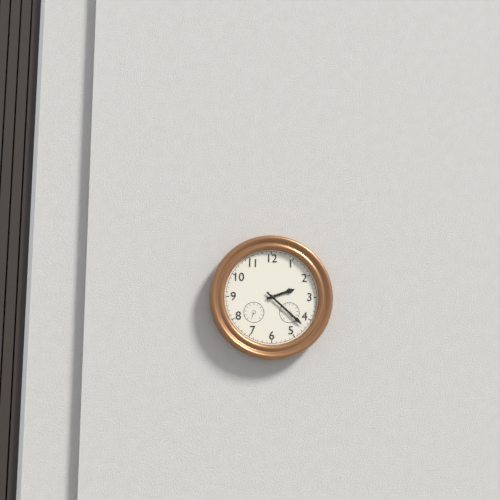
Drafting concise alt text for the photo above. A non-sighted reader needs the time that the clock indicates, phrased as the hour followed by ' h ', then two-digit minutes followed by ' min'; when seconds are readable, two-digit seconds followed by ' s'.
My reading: 2 h 22 min
